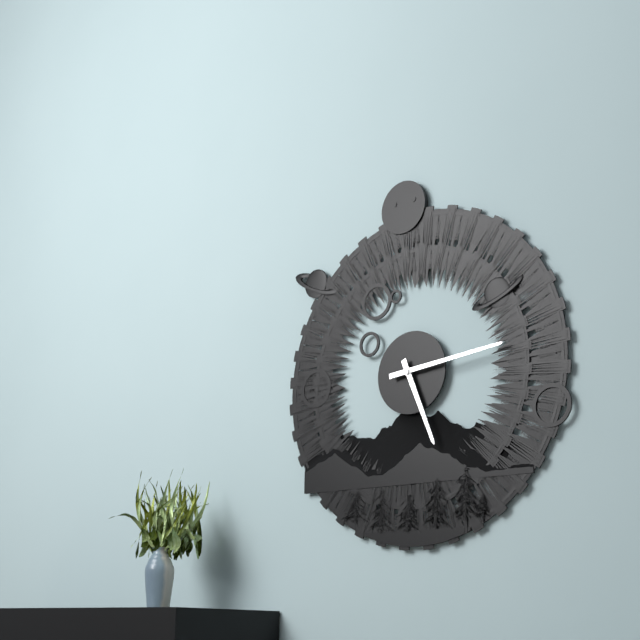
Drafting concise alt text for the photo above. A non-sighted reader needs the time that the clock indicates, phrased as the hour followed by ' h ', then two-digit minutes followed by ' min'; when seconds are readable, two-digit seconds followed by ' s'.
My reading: 5 h 14 min
